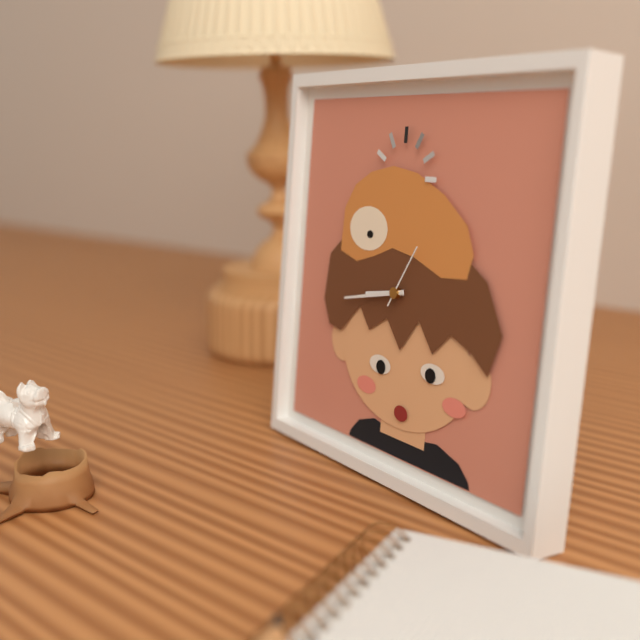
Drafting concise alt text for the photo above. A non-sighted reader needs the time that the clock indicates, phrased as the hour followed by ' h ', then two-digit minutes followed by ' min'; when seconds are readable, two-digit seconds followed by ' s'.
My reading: 8 h 43 min 05 s
